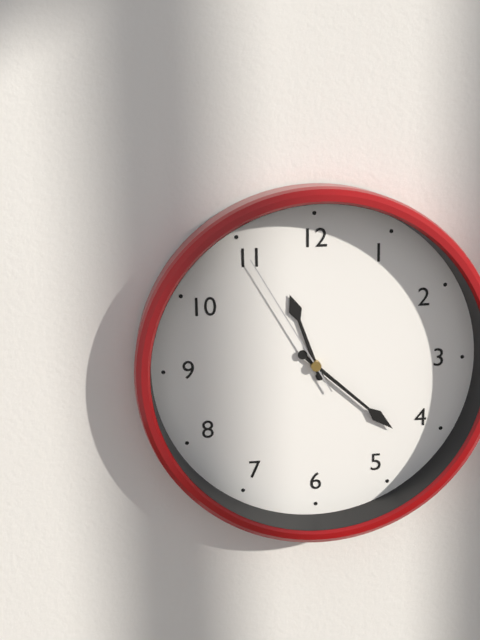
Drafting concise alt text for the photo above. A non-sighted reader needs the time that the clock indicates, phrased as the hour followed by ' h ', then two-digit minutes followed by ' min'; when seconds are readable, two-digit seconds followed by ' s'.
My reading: 11 h 22 min 55 s
